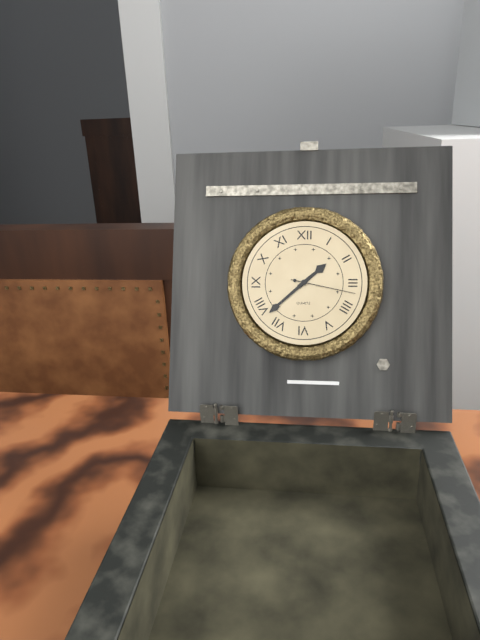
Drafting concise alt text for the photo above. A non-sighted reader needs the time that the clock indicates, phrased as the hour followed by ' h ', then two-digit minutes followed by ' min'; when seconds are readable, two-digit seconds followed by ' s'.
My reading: 1 h 38 min 17 s
